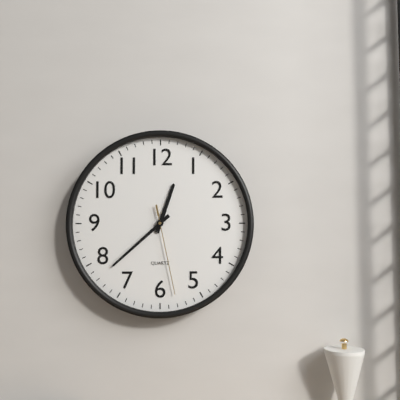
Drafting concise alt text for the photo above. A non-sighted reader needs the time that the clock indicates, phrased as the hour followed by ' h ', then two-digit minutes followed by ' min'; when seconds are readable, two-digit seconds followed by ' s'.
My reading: 12 h 38 min 28 s
